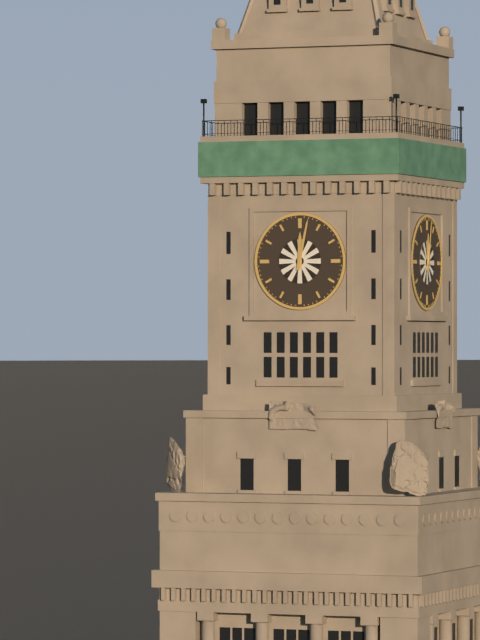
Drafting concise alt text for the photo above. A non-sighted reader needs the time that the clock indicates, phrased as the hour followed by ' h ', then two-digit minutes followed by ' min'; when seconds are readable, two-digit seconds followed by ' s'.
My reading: 12 h 02 min
